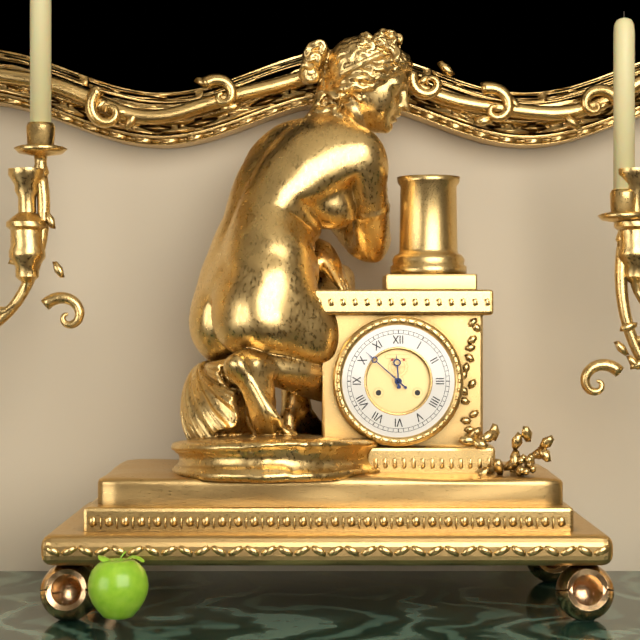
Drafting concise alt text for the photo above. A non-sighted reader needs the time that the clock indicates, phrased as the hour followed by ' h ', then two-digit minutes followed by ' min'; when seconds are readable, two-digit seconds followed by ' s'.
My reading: 11 h 52 min
